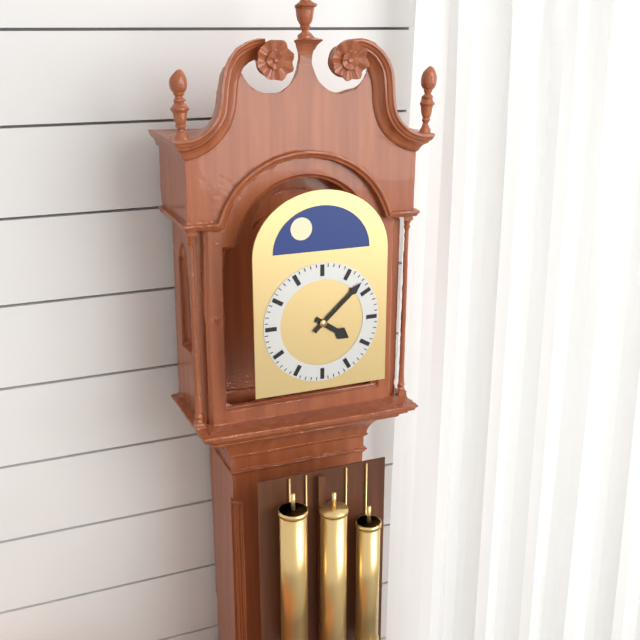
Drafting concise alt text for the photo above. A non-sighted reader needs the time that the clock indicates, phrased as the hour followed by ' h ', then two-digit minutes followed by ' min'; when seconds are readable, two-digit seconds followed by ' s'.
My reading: 4 h 08 min
